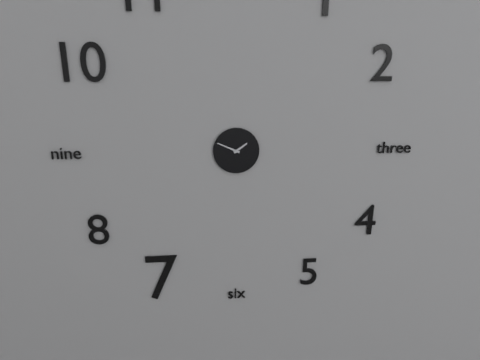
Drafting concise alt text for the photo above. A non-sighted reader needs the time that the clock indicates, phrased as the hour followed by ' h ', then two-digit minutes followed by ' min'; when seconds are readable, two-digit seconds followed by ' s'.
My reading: 1 h 49 min
